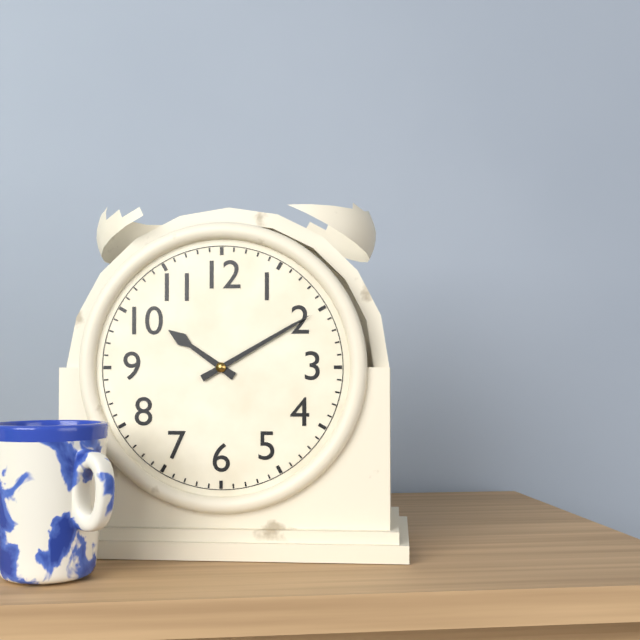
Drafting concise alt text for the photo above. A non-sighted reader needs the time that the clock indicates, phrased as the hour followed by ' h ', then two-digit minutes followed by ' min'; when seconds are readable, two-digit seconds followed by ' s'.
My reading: 10 h 10 min
